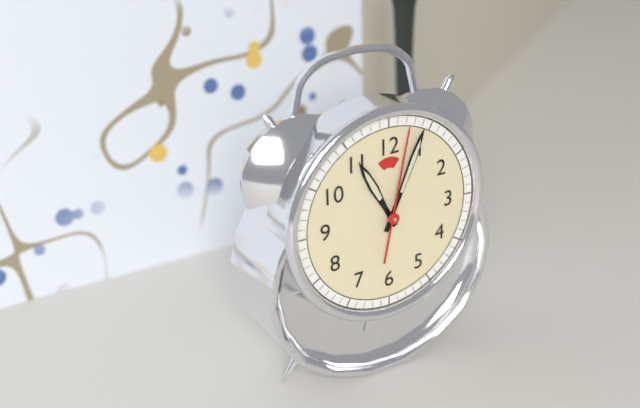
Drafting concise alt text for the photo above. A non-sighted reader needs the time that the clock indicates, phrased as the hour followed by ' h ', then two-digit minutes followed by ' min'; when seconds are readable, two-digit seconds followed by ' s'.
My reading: 11 h 04 min 02 s
